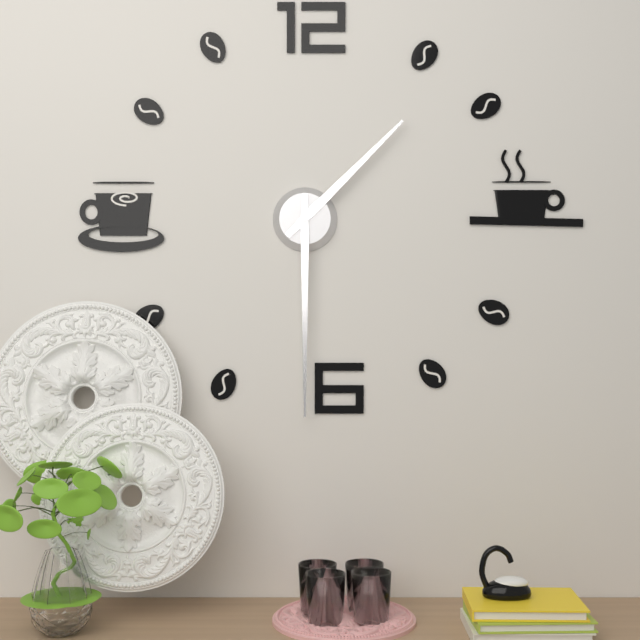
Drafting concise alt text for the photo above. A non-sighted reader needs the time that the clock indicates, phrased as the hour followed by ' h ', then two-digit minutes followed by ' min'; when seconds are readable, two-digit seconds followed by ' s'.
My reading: 1 h 30 min
